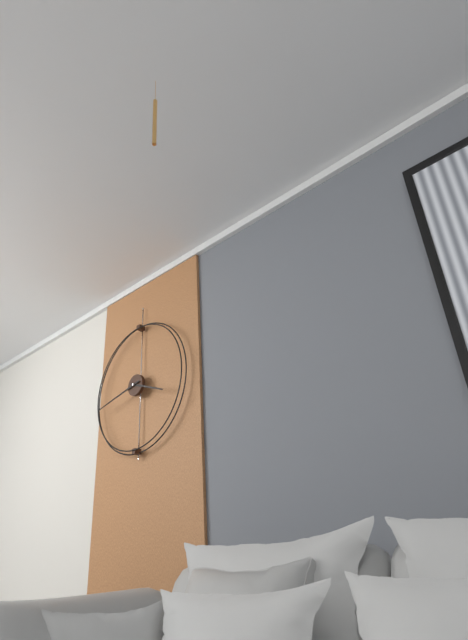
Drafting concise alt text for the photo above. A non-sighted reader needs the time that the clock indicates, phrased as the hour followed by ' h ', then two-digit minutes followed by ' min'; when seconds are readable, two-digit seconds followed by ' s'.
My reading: 3 h 43 min
